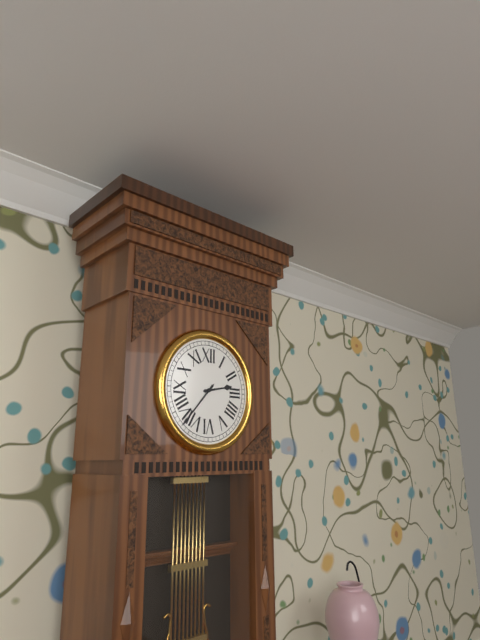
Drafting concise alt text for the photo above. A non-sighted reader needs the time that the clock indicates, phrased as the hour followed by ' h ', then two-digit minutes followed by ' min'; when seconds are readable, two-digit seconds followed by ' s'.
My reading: 2 h 37 min
